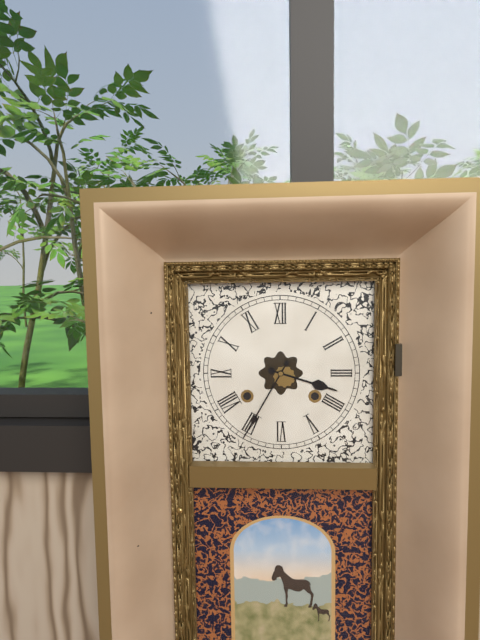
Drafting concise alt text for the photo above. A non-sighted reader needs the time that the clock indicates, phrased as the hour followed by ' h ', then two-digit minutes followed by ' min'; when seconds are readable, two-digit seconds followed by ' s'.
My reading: 3 h 35 min
